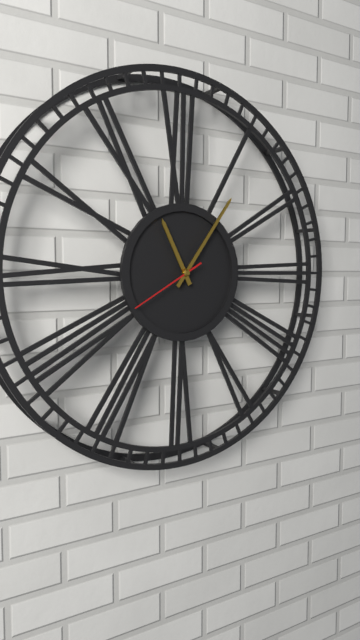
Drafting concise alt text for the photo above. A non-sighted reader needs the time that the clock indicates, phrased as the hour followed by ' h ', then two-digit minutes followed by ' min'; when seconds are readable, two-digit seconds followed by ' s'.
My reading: 11 h 06 min 40 s
